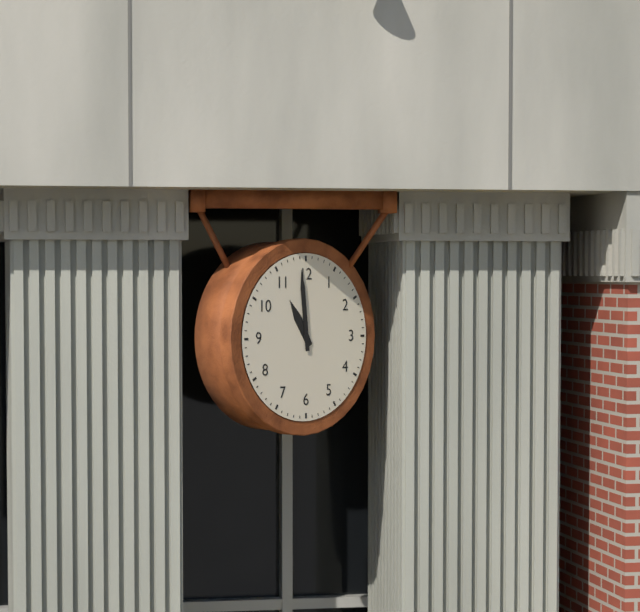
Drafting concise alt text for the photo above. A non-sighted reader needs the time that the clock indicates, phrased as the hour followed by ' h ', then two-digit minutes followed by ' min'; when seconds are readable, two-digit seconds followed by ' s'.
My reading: 10 h 59 min
